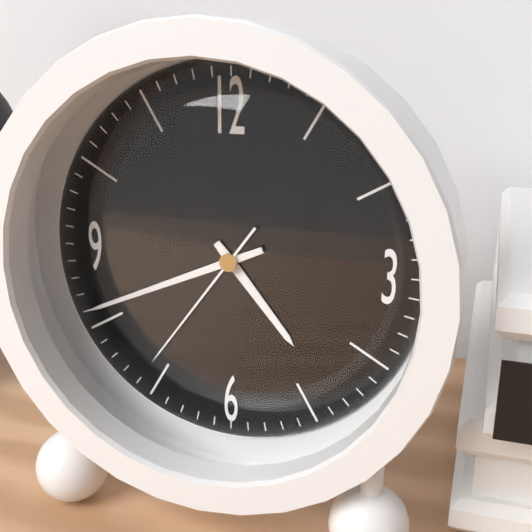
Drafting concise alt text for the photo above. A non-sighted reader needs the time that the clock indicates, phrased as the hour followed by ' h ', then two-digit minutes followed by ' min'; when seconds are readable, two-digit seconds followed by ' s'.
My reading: 4 h 41 min 36 s
